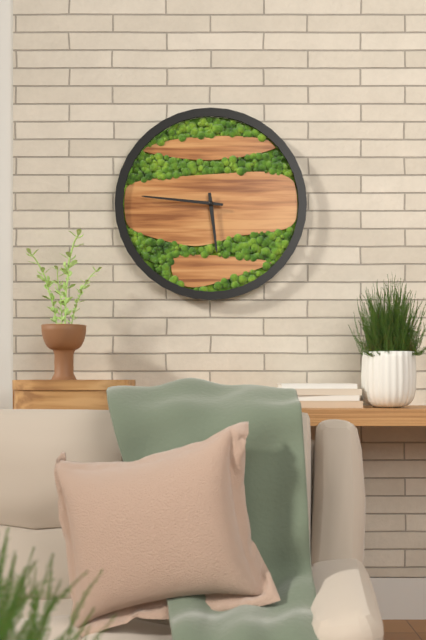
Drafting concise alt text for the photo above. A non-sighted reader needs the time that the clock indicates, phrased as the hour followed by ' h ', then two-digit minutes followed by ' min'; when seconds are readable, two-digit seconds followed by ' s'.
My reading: 5 h 46 min
